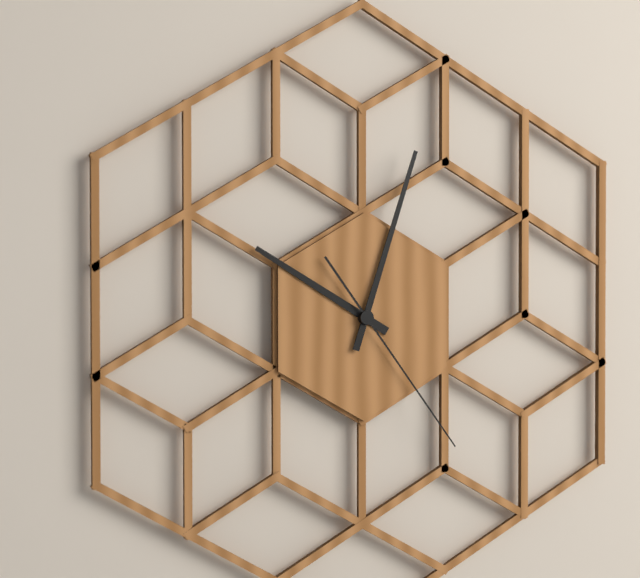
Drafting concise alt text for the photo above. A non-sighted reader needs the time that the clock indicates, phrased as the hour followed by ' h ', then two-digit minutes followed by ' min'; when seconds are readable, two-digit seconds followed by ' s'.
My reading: 10 h 03 min 24 s
